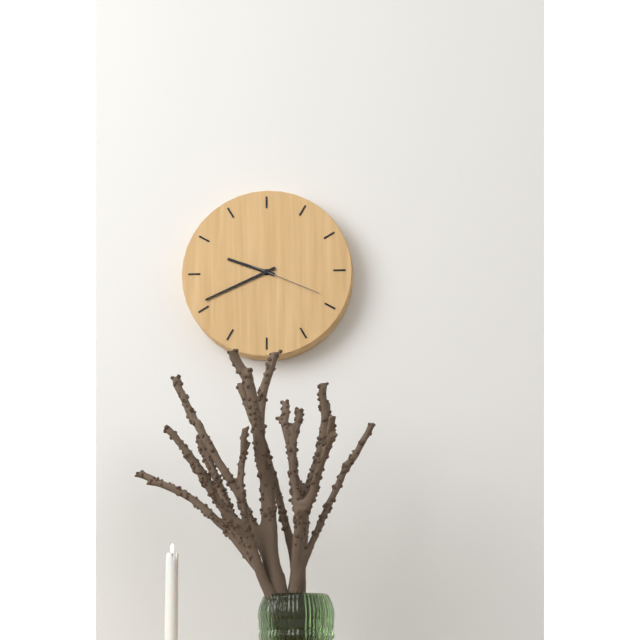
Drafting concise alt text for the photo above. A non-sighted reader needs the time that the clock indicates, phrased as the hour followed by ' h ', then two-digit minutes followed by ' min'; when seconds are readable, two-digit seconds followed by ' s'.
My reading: 9 h 41 min 19 s
